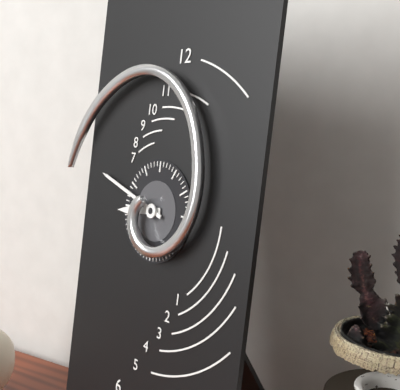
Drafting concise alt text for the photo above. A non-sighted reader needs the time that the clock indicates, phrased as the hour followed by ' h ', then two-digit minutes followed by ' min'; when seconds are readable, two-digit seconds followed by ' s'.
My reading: 8 h 48 min
